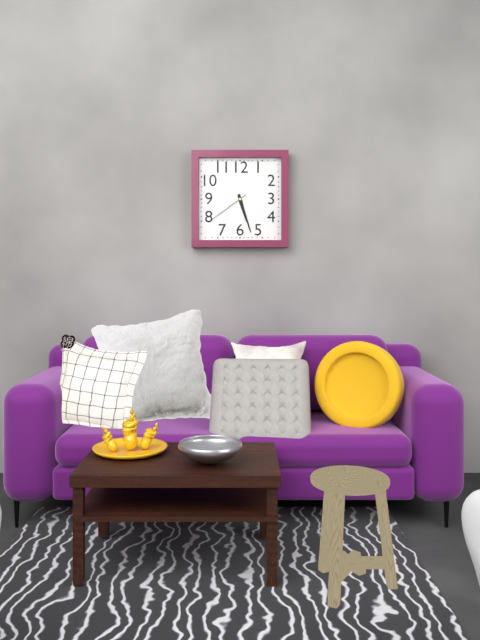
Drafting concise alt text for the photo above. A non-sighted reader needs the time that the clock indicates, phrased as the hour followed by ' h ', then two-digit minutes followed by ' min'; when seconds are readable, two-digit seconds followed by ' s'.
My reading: 5 h 27 min
